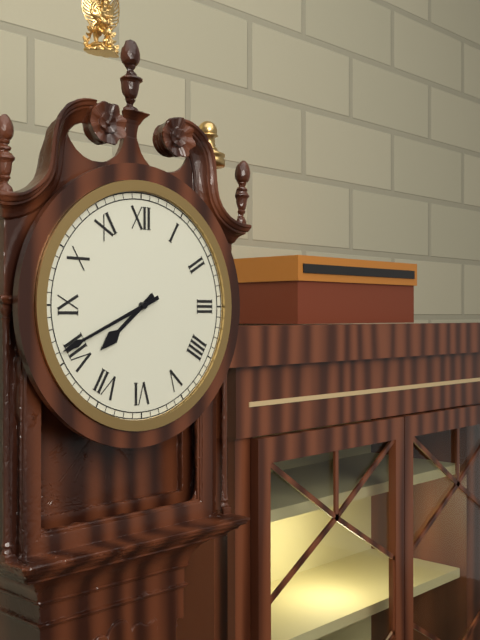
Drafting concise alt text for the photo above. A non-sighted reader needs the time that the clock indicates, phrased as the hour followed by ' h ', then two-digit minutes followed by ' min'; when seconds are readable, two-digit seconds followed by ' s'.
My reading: 7 h 41 min
